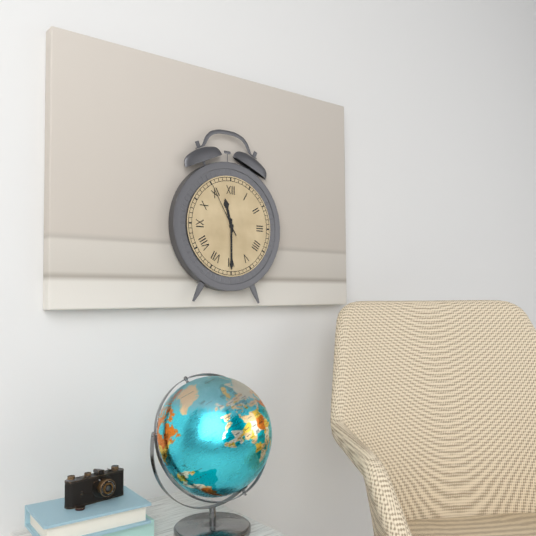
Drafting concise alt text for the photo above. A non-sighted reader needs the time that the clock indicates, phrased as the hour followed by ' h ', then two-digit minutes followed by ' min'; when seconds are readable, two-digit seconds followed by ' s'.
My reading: 11 h 30 min 55 s
